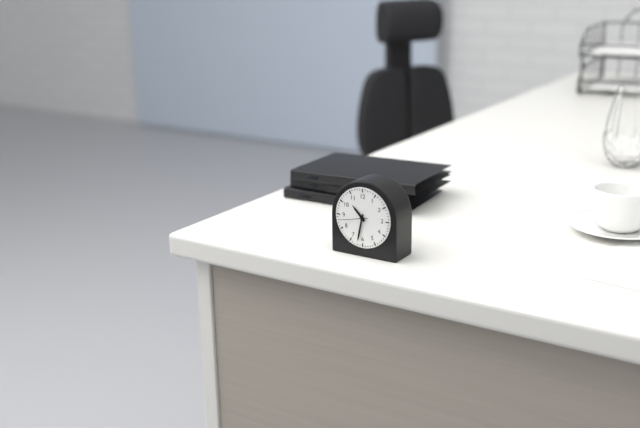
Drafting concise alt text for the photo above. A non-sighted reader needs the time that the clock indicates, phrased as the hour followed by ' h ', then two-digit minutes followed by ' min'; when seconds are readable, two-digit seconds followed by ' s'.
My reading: 10 h 32 min
